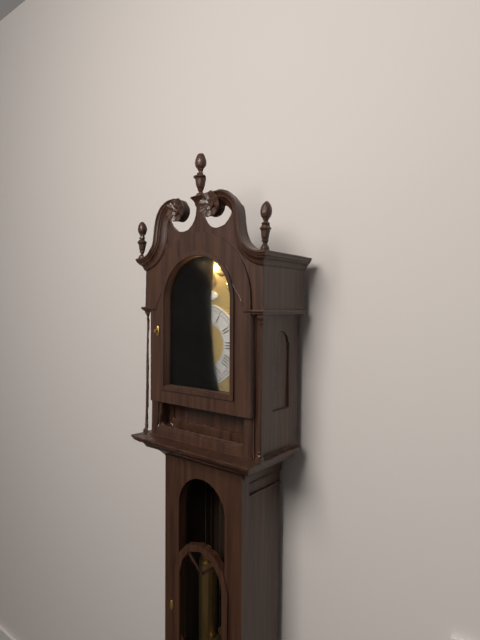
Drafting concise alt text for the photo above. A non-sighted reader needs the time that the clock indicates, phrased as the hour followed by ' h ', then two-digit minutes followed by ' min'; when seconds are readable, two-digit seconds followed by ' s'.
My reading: 6 h 39 min
